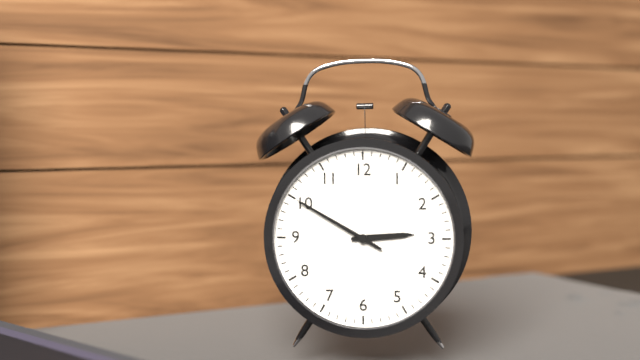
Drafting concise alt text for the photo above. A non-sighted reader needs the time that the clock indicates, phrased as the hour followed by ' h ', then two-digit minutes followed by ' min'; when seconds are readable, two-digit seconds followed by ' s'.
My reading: 2 h 50 min
